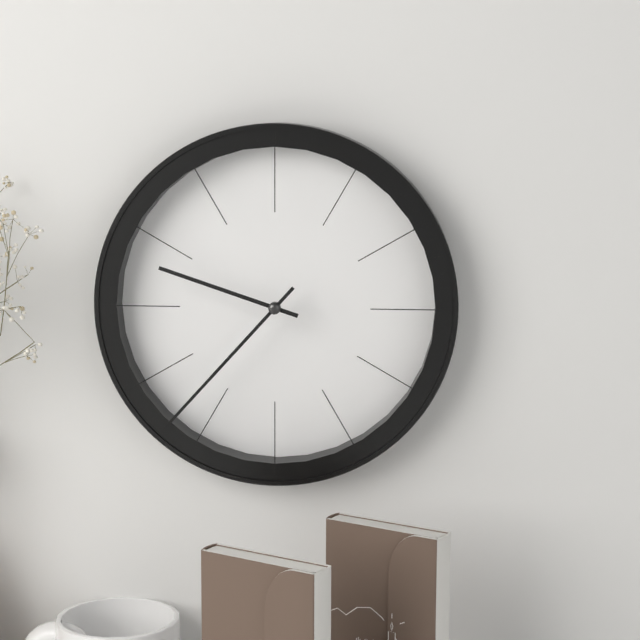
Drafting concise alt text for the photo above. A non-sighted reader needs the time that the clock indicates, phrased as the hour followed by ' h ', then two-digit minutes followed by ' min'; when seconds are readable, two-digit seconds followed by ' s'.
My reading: 9 h 37 min
